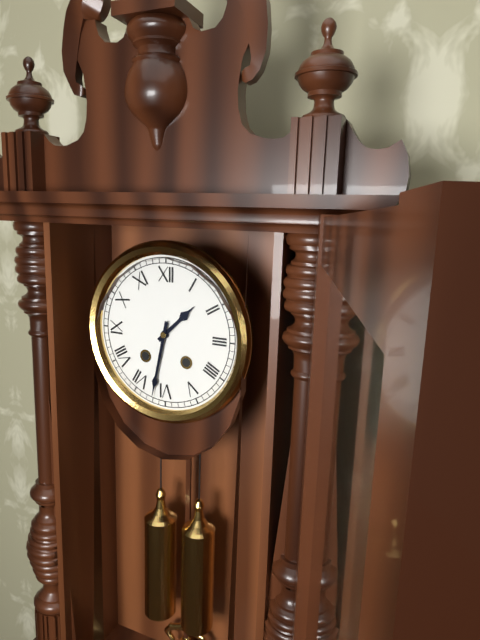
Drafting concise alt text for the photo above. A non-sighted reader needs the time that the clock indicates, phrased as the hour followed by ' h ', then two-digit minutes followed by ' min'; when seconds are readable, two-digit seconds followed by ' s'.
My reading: 1 h 32 min
